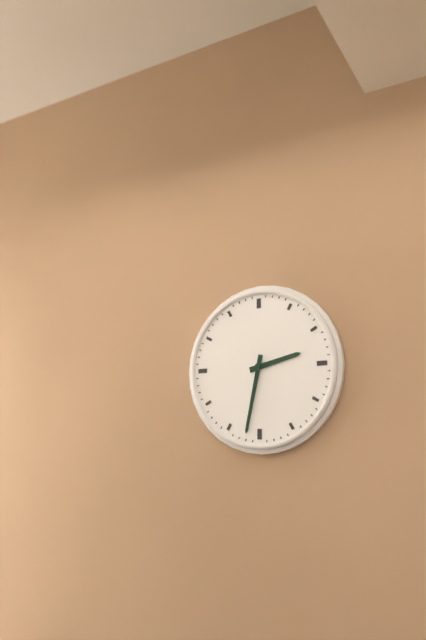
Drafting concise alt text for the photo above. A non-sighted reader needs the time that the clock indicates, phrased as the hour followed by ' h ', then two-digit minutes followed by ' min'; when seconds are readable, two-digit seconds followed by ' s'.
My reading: 2 h 32 min
